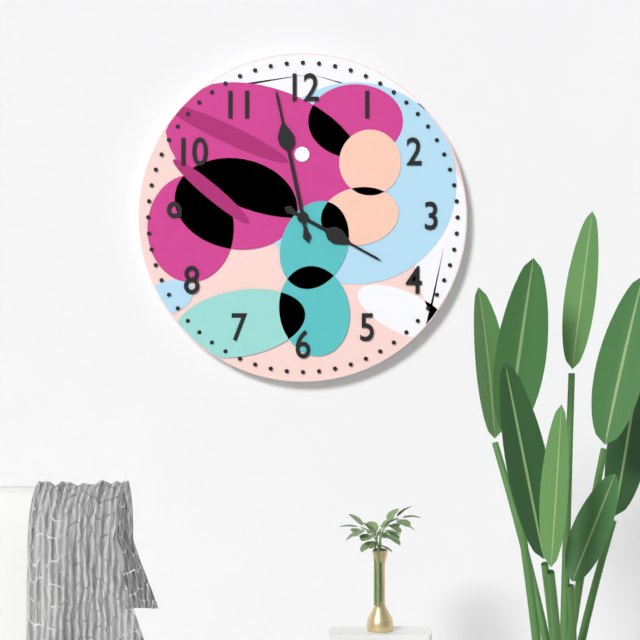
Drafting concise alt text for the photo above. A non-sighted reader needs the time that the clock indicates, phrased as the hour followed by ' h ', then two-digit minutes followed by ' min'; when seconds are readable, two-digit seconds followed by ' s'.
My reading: 3 h 58 min
